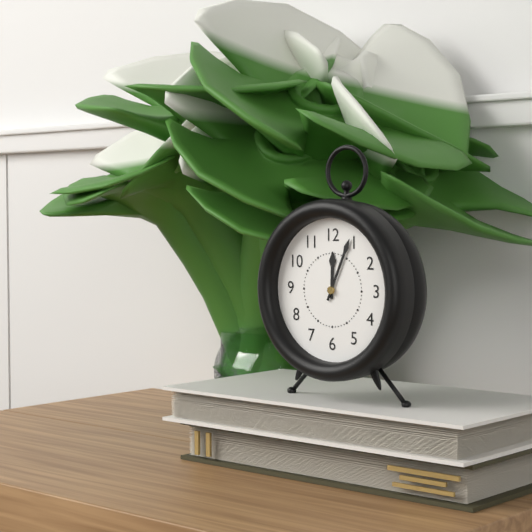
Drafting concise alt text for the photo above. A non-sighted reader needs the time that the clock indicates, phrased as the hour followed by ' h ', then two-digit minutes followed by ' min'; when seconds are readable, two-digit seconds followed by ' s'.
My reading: 12 h 04 min
